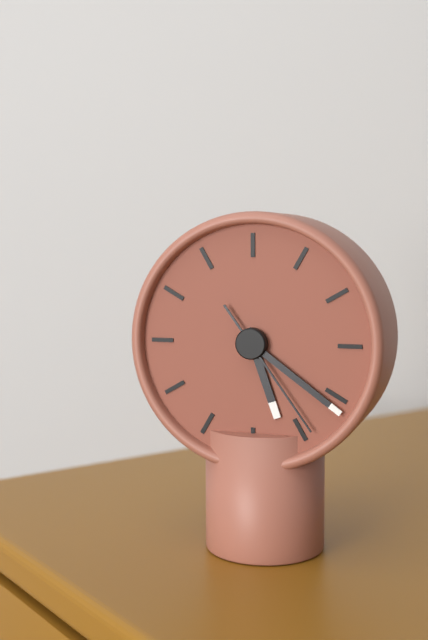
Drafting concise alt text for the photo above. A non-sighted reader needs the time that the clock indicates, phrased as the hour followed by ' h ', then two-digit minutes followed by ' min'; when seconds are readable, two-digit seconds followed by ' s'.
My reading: 5 h 21 min 24 s
